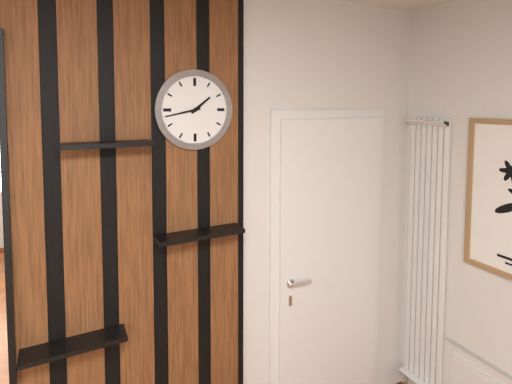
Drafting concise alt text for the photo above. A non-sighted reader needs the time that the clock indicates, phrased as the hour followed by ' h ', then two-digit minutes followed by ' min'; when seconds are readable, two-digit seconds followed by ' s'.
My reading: 1 h 43 min
